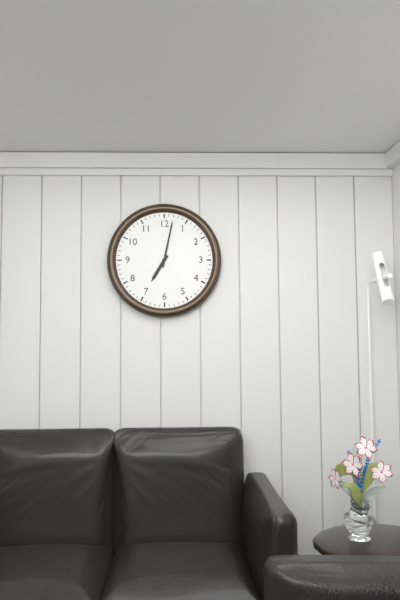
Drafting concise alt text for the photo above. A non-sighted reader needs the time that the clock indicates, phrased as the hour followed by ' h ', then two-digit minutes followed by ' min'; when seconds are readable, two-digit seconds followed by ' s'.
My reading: 7 h 02 min
